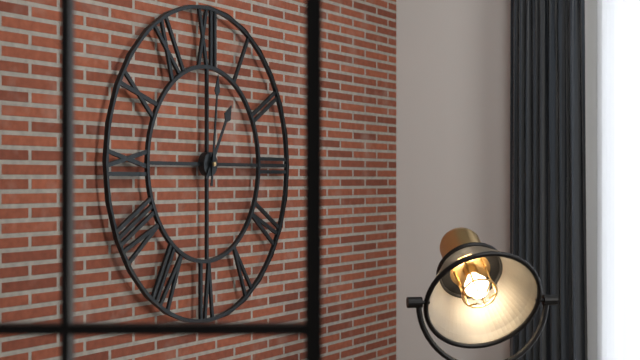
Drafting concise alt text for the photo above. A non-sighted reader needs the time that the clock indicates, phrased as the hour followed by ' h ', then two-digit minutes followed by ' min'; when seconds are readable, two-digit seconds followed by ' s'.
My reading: 1 h 01 min
